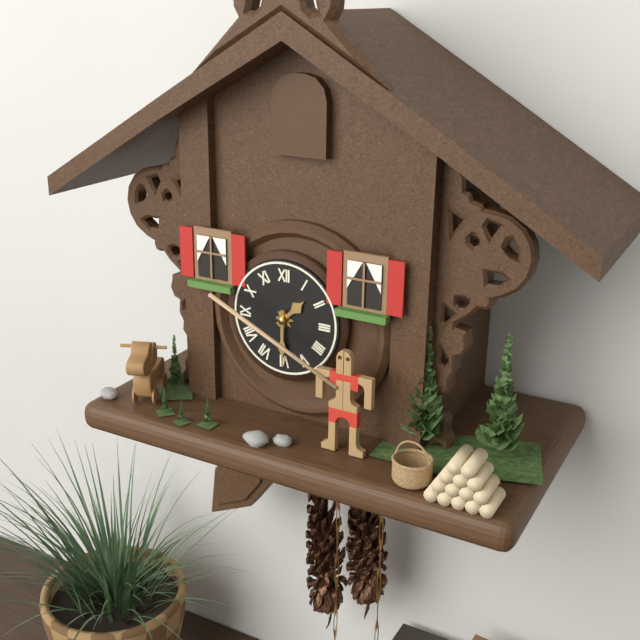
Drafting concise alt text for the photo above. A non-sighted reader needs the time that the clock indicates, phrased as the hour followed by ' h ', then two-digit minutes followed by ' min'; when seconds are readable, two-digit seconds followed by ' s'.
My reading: 1 h 30 min
